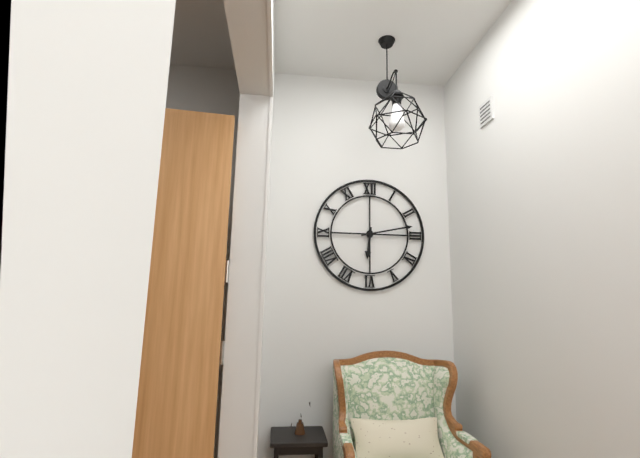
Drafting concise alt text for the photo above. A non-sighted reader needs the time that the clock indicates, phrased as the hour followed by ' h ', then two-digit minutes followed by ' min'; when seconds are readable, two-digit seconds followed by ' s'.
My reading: 6 h 13 min
